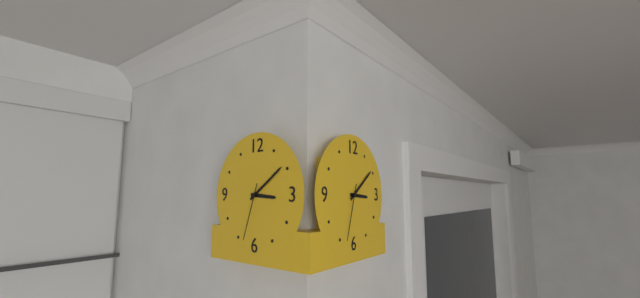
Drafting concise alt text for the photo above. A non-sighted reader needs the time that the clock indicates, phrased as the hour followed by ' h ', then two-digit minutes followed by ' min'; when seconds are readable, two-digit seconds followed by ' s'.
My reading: 3 h 09 min 33 s
